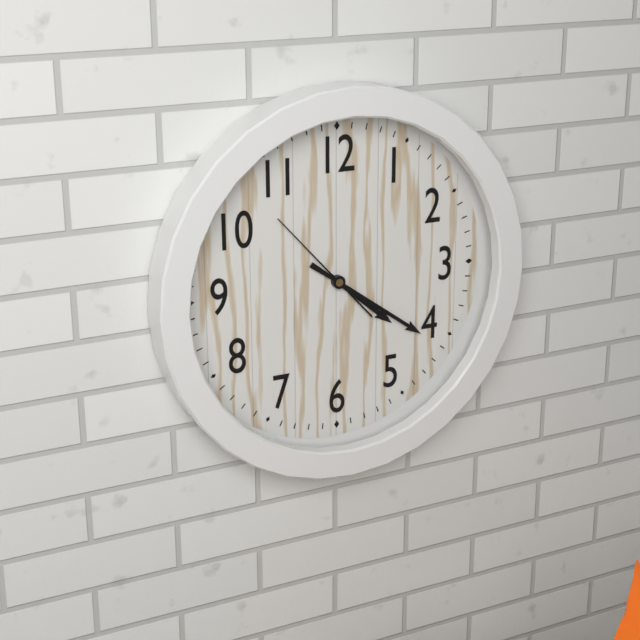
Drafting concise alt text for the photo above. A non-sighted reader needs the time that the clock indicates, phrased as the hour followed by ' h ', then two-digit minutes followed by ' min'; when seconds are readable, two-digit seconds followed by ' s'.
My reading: 4 h 21 min 53 s
